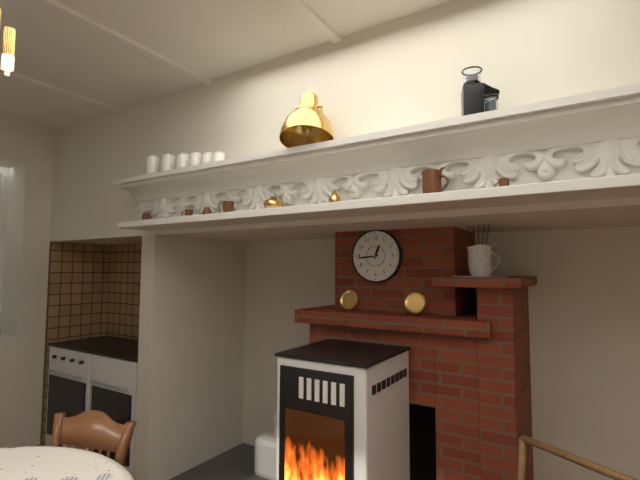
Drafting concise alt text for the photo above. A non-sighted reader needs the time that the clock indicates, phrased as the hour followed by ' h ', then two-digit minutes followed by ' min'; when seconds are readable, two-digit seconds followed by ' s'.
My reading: 12 h 44 min
